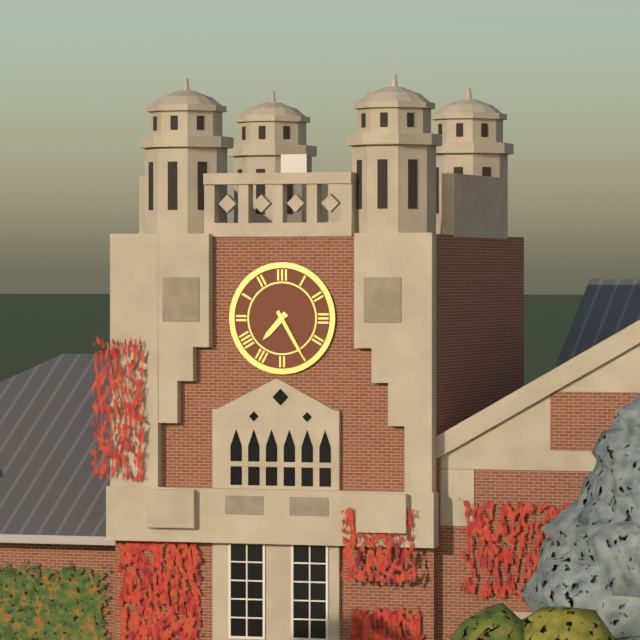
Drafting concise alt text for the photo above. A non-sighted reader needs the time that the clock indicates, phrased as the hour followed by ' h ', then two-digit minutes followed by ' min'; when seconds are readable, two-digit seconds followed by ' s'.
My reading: 7 h 25 min
